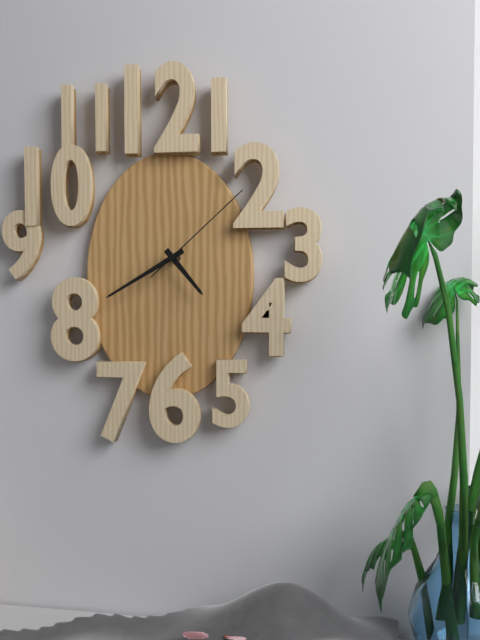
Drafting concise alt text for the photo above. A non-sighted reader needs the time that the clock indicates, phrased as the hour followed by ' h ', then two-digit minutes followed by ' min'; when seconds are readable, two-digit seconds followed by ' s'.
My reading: 4 h 40 min 08 s
